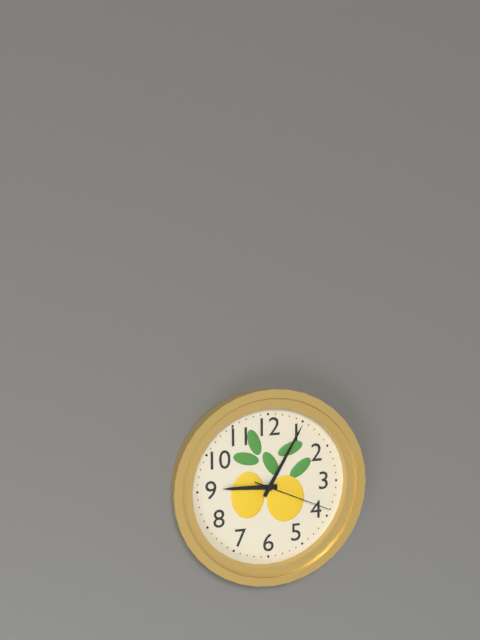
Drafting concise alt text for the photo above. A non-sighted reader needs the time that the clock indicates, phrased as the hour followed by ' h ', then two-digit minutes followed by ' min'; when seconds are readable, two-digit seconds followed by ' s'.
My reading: 9 h 05 min 19 s
